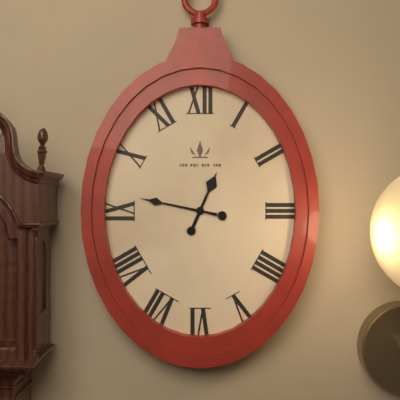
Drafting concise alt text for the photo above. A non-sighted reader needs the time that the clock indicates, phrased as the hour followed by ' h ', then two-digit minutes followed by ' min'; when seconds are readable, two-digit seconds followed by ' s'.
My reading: 12 h 47 min
